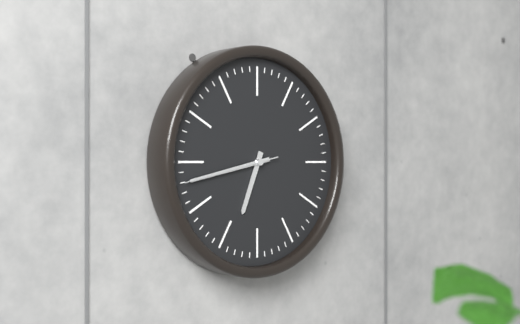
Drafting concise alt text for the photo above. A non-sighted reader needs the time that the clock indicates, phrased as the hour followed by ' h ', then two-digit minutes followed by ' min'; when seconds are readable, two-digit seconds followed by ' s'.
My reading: 6 h 43 min 43 s
